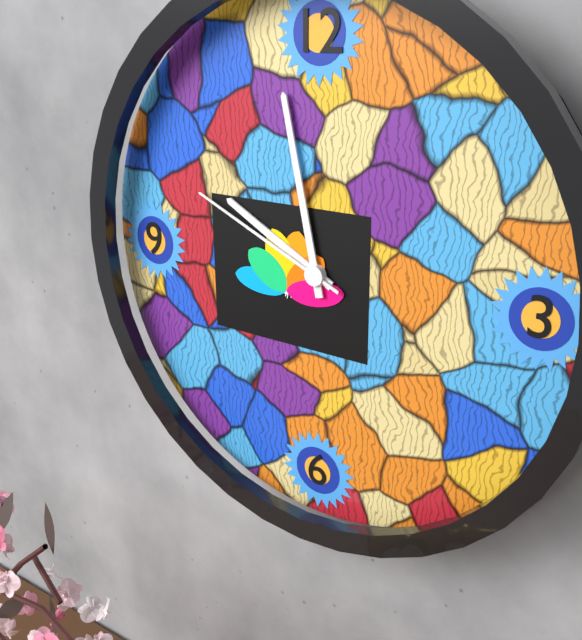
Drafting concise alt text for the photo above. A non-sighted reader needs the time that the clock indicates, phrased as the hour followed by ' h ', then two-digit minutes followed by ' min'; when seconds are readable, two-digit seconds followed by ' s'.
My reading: 9 h 58 min 49 s
